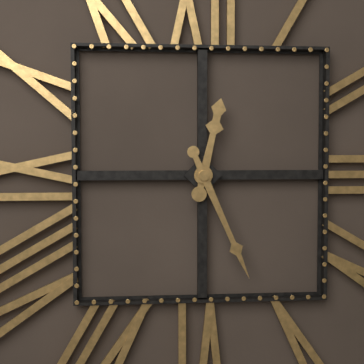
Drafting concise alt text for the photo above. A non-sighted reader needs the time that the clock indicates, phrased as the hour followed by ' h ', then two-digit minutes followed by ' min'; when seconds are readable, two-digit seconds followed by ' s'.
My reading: 12 h 26 min
